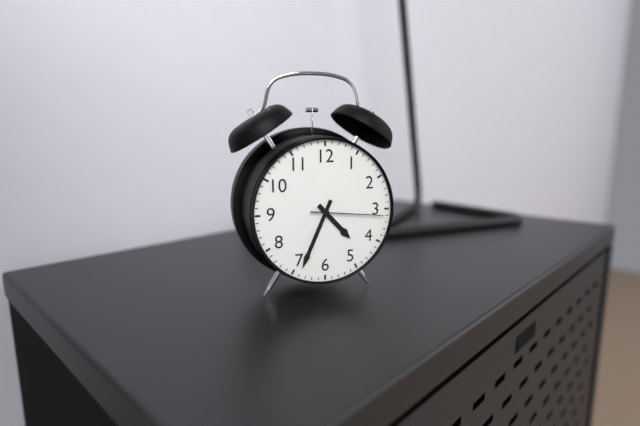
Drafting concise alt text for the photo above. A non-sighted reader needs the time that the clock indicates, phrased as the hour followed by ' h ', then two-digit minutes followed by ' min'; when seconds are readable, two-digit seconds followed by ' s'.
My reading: 4 h 34 min 16 s
